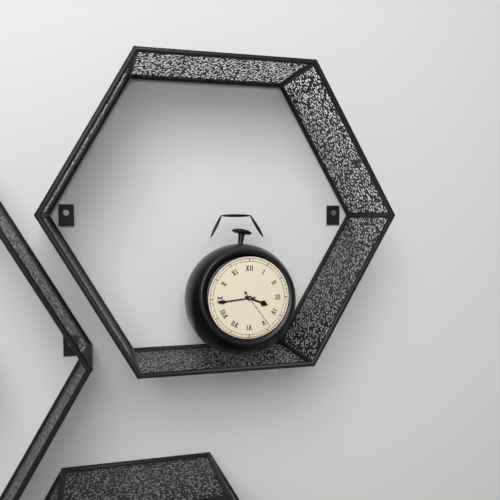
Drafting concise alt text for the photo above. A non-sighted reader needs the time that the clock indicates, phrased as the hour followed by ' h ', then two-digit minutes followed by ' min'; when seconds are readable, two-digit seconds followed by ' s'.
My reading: 3 h 44 min
